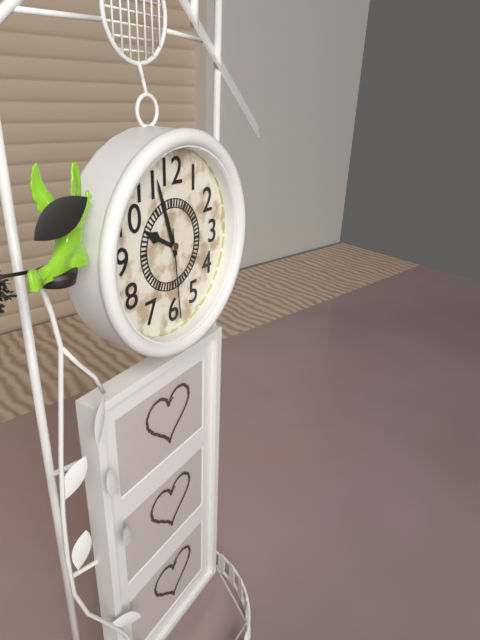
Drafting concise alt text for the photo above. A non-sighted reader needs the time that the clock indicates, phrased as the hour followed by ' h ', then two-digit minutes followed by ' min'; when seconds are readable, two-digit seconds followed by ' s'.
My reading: 9 h 57 min 29 s
